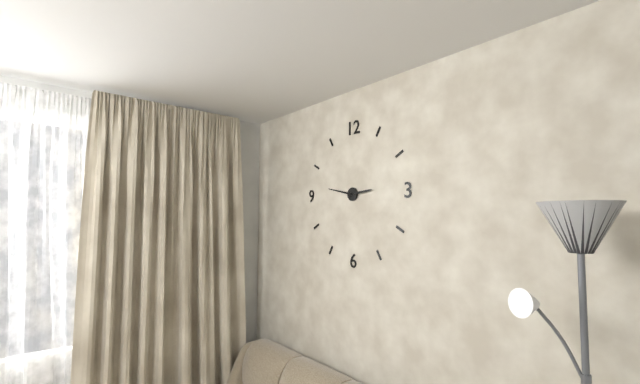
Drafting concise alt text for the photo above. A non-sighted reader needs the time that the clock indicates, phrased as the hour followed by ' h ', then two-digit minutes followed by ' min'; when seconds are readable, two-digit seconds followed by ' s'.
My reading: 2 h 47 min
